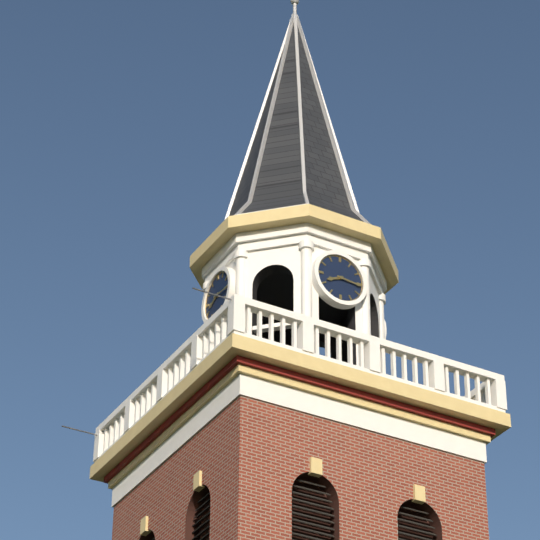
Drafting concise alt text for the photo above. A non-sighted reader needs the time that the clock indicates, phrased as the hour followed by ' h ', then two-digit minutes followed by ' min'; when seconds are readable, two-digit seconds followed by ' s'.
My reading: 8 h 16 min
